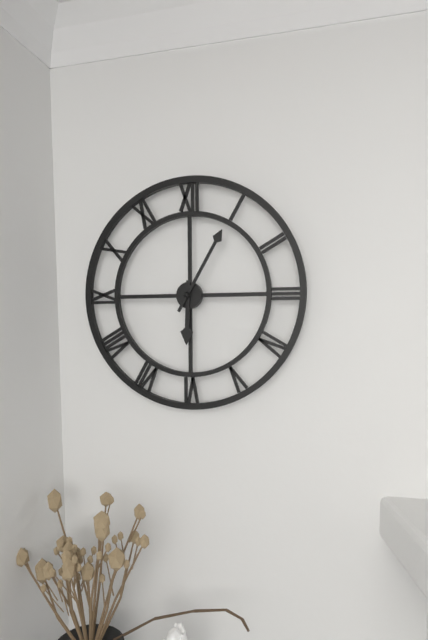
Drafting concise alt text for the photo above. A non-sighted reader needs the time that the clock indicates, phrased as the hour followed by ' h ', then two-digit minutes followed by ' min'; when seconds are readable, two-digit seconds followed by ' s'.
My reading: 6 h 05 min
